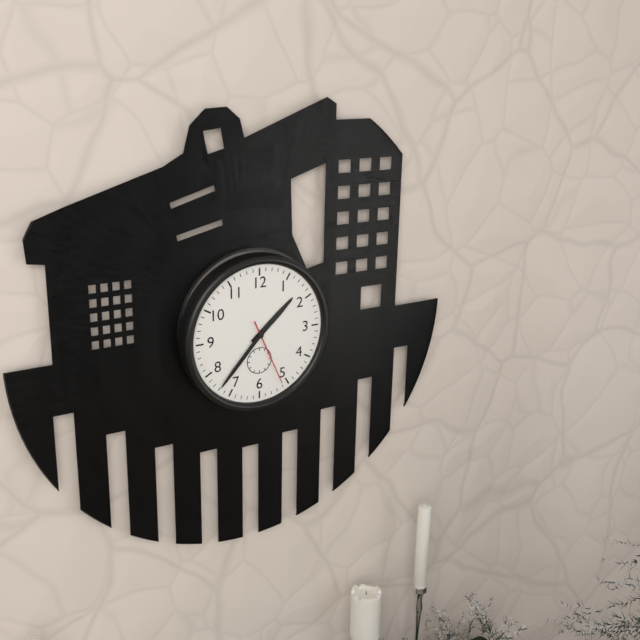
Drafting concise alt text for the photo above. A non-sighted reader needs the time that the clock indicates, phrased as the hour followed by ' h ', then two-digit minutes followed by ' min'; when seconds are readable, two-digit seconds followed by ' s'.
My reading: 1 h 37 min 26 s
